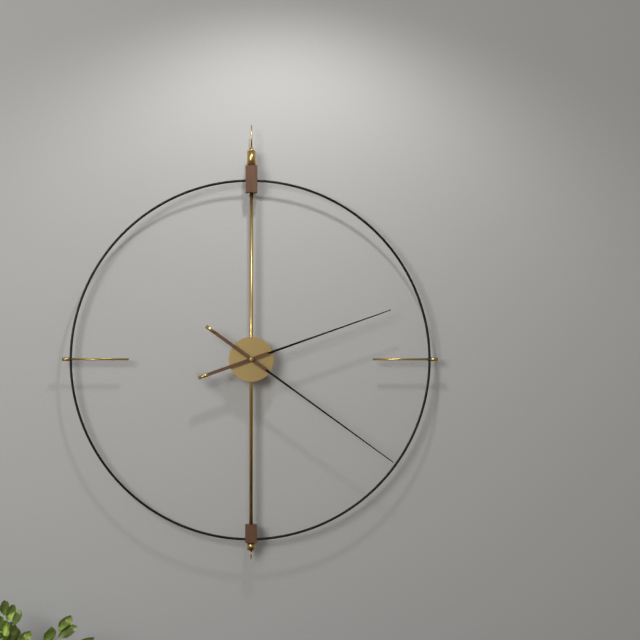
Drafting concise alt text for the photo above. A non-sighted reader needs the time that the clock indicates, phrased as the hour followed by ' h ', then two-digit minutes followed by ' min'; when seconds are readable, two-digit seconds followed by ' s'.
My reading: 2 h 21 min
